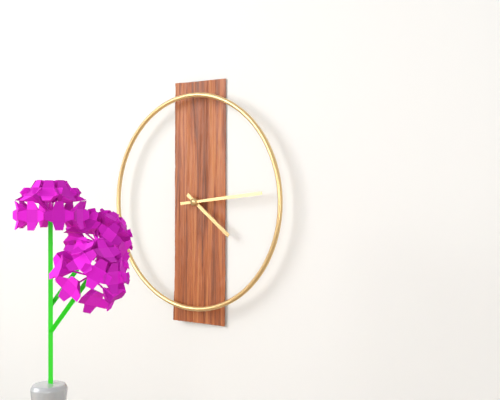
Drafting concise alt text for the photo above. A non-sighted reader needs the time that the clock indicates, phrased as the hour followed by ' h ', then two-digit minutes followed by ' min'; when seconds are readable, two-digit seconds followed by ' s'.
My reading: 4 h 14 min
